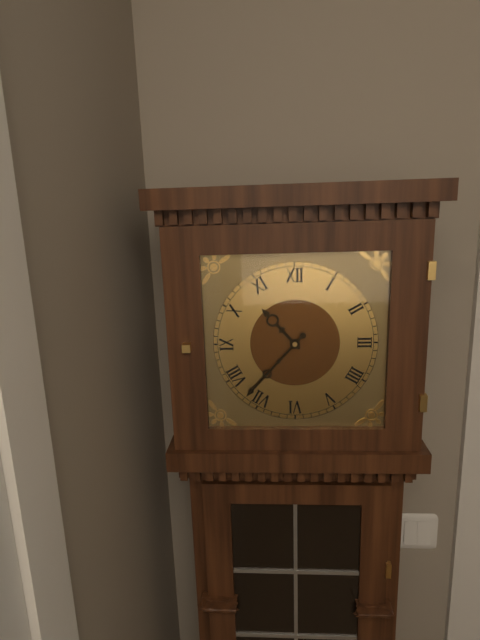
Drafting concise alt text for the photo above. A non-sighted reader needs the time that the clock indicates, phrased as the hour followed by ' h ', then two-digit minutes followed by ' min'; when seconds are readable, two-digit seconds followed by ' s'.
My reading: 10 h 37 min
